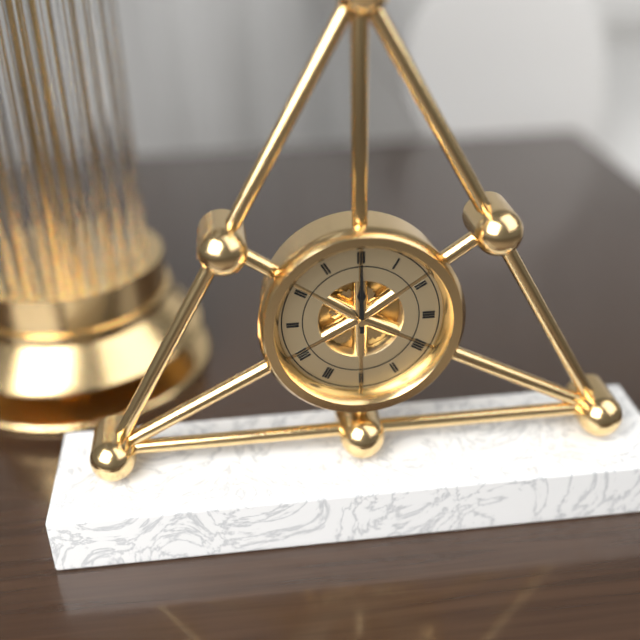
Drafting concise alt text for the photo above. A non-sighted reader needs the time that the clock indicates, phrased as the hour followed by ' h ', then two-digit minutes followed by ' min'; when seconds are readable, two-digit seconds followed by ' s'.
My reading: 12 h 00 min
